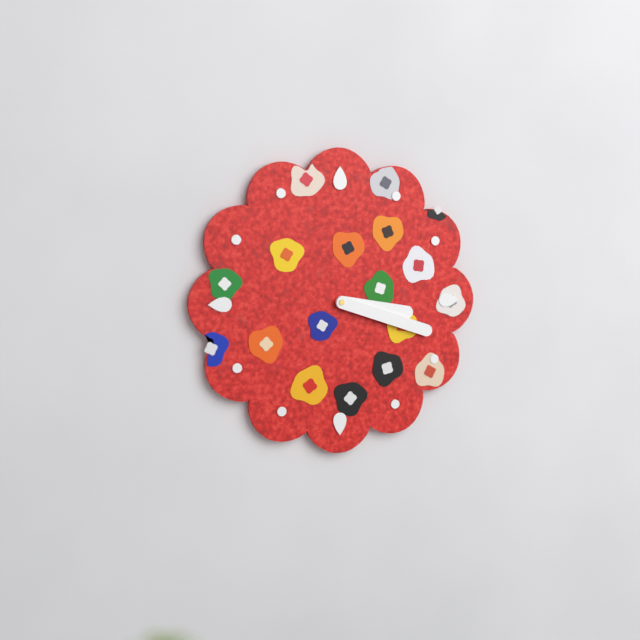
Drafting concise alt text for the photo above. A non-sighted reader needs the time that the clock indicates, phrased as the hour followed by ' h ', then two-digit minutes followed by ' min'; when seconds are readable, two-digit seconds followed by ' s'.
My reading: 3 h 18 min
